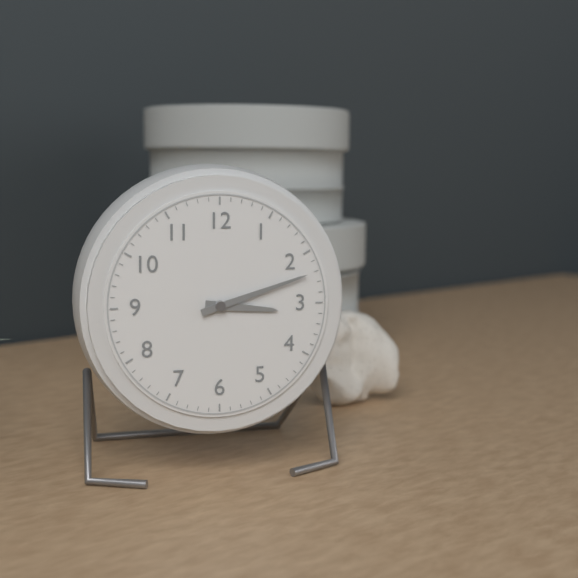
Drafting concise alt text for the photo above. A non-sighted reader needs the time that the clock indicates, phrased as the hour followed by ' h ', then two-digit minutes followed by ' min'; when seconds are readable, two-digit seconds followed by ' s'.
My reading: 3 h 12 min
